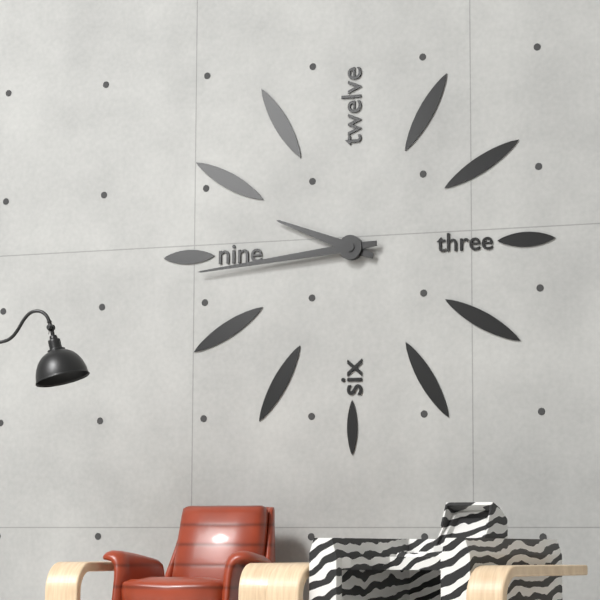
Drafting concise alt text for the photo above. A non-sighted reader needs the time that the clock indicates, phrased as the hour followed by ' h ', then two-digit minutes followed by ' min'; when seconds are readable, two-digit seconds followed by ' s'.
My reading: 9 h 44 min
